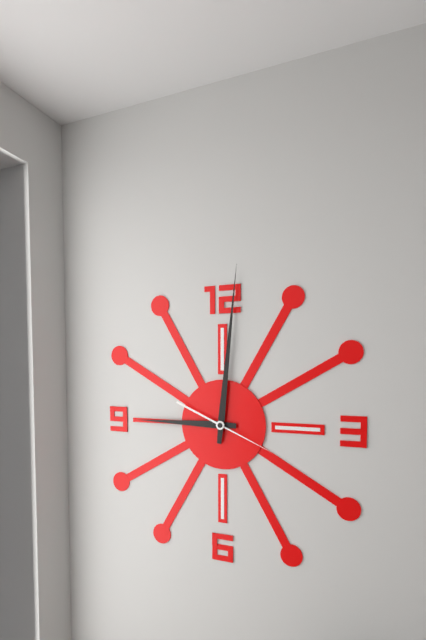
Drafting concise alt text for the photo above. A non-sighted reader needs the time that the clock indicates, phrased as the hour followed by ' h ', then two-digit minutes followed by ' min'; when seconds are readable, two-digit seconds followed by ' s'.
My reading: 9 h 01 min 19 s
